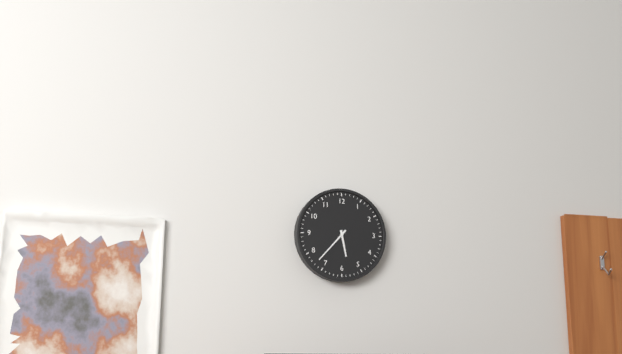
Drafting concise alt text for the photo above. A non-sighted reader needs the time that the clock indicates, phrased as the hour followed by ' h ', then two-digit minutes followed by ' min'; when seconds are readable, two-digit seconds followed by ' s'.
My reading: 5 h 37 min
